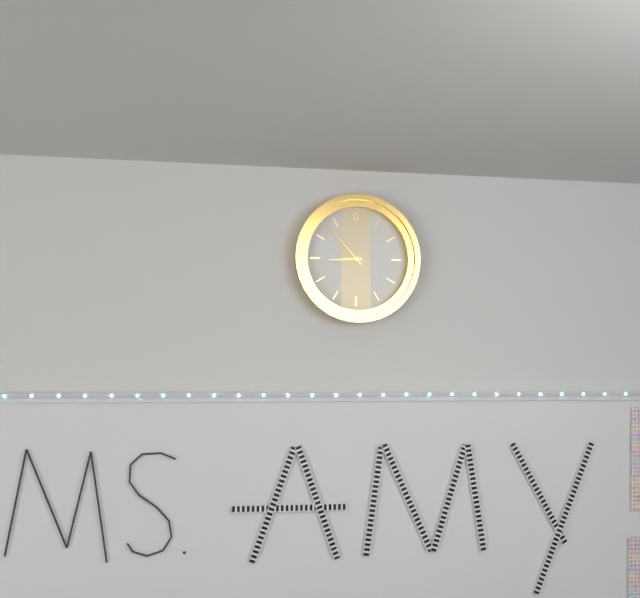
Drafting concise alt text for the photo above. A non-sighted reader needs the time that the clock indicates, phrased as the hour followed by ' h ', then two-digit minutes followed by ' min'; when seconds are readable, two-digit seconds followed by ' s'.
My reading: 8 h 53 min
